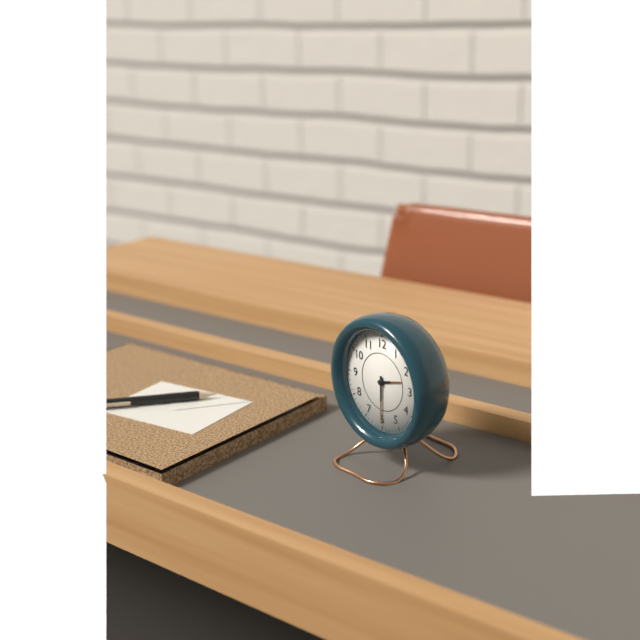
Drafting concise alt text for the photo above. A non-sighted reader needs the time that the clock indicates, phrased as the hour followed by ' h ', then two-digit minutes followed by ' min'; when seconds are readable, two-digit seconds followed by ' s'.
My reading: 2 h 30 min
